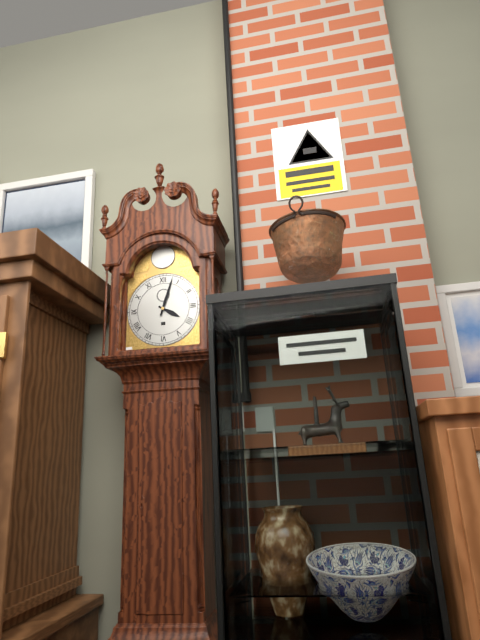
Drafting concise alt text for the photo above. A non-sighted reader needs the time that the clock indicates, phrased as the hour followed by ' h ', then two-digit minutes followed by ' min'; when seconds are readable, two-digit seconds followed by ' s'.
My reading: 4 h 03 min
